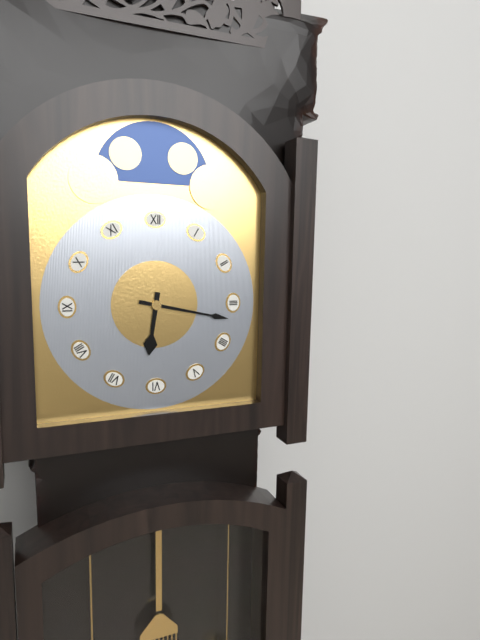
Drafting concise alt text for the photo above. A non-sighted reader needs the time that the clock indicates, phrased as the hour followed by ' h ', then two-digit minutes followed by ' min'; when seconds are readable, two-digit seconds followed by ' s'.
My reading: 6 h 17 min
